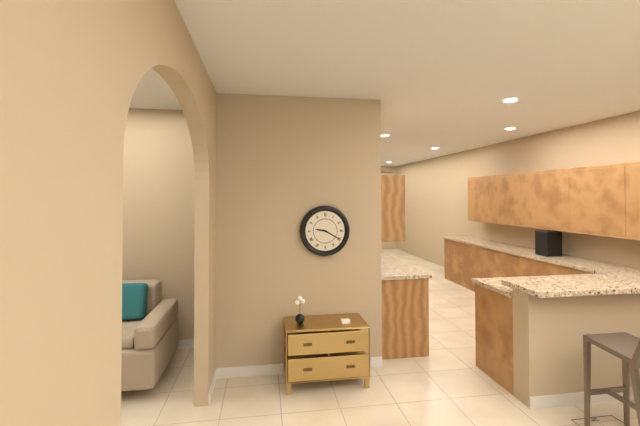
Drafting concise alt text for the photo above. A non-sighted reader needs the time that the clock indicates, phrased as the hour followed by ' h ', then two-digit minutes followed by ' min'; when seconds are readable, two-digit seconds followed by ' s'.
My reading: 9 h 20 min
